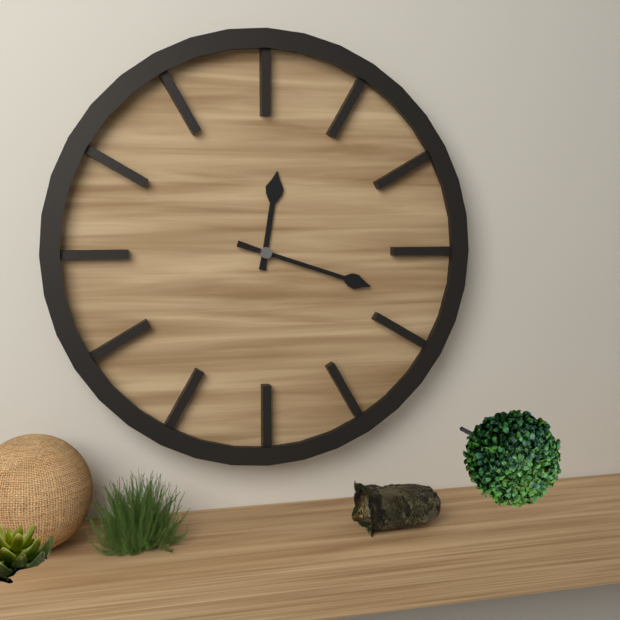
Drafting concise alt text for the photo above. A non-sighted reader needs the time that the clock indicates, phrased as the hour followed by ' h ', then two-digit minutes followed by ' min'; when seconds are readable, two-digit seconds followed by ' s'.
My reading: 12 h 18 min
